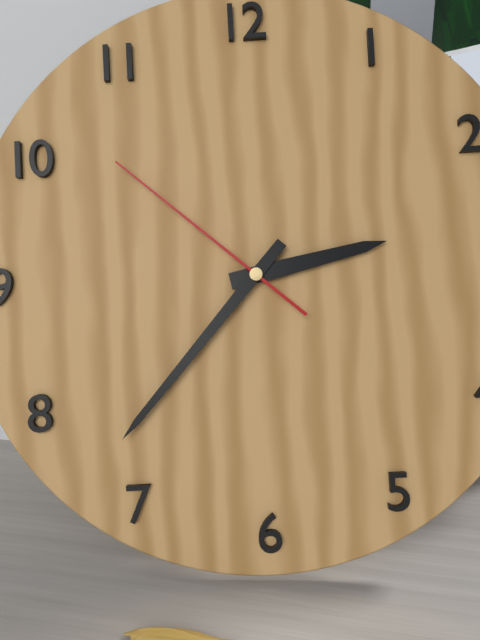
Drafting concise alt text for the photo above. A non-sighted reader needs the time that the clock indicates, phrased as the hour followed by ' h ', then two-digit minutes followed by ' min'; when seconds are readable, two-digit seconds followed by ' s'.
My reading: 2 h 37 min 52 s
